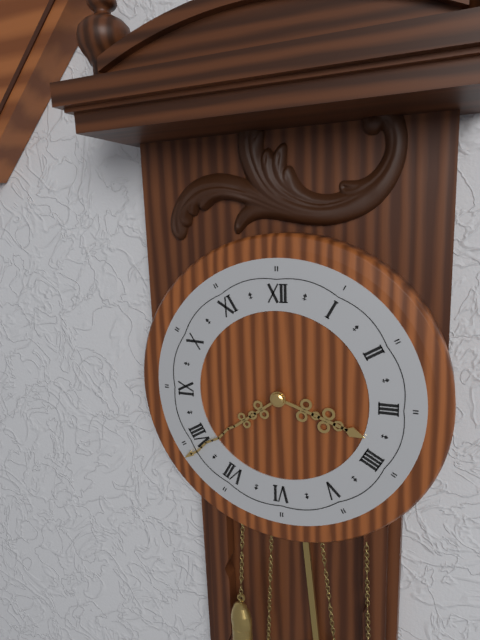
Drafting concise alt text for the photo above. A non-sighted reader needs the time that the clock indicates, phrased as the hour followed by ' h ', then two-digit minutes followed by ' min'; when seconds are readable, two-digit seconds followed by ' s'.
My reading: 3 h 39 min
